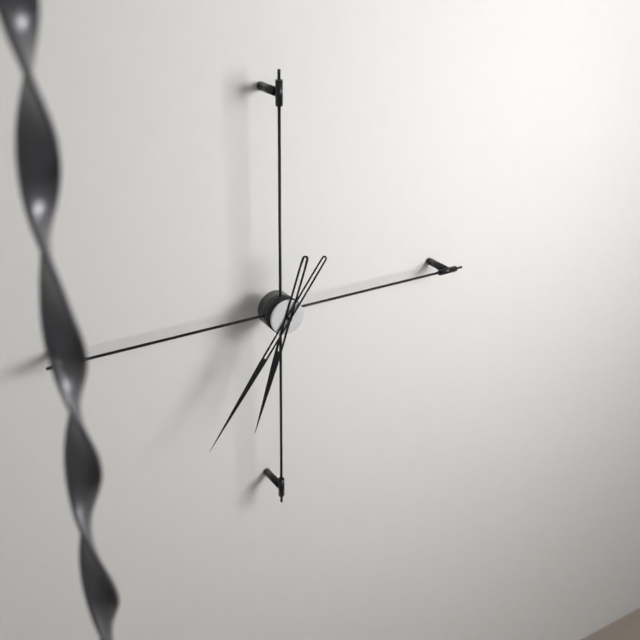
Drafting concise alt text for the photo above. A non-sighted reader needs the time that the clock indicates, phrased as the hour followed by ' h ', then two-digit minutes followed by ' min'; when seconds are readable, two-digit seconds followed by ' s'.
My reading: 6 h 36 min
